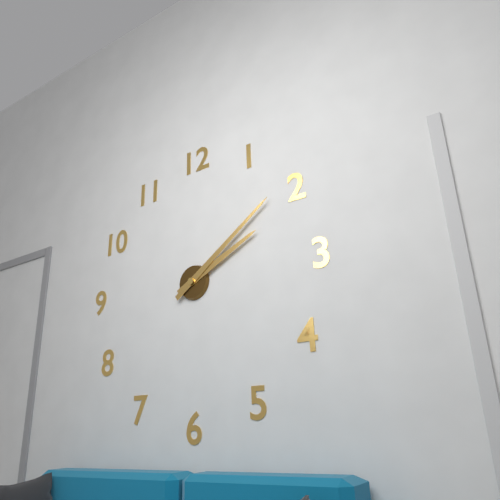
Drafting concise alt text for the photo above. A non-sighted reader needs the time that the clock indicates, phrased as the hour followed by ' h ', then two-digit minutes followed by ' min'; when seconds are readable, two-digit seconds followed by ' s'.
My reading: 2 h 09 min
